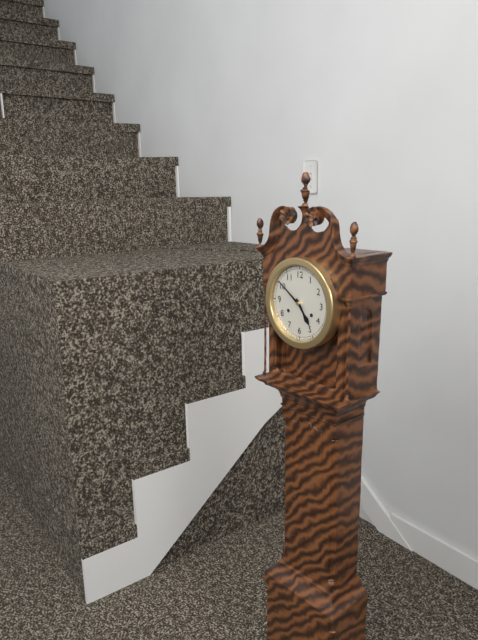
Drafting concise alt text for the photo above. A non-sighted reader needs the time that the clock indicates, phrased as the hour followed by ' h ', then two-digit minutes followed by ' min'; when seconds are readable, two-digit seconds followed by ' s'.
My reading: 4 h 51 min
